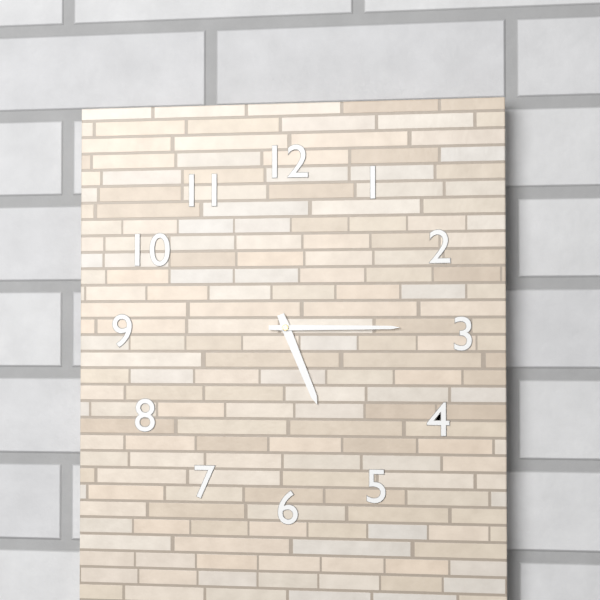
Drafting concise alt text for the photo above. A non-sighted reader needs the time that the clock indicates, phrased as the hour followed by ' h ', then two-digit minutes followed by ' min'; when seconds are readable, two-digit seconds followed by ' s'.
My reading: 5 h 15 min
